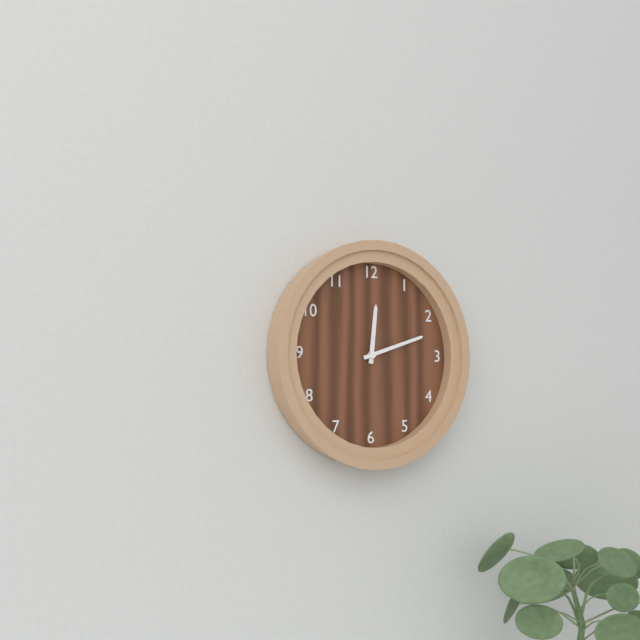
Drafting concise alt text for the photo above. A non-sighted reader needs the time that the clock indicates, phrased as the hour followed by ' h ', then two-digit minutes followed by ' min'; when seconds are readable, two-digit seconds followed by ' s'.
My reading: 12 h 12 min
